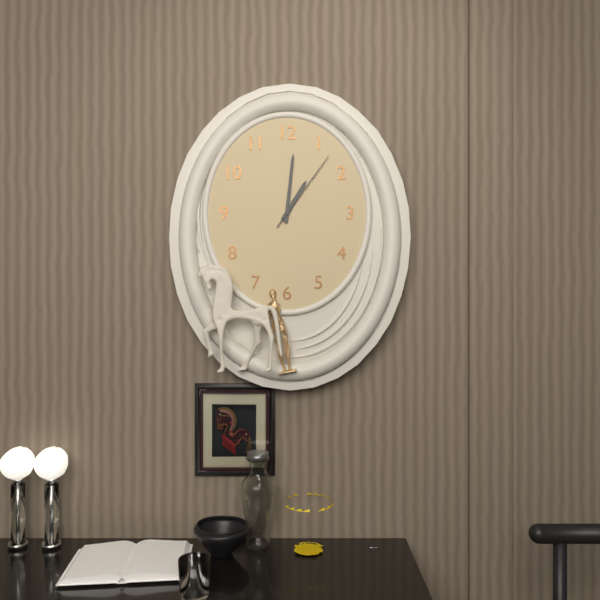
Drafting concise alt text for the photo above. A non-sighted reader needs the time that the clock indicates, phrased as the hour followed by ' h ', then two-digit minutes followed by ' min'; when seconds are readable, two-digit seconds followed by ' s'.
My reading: 1 h 01 min 06 s
